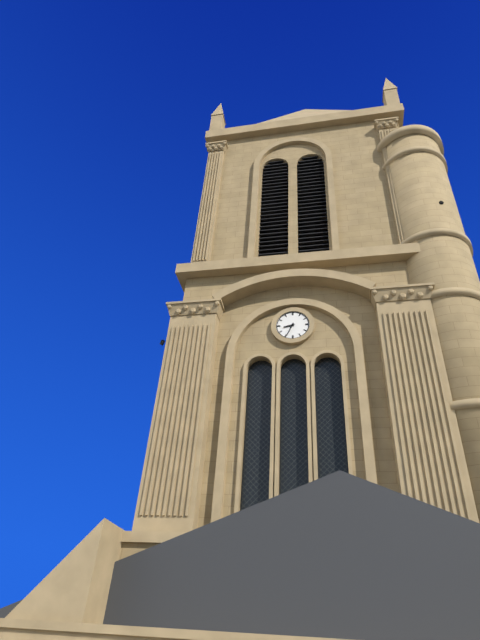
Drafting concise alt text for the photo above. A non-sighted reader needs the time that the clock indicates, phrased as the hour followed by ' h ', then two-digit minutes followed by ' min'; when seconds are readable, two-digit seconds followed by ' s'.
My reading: 8 h 34 min
